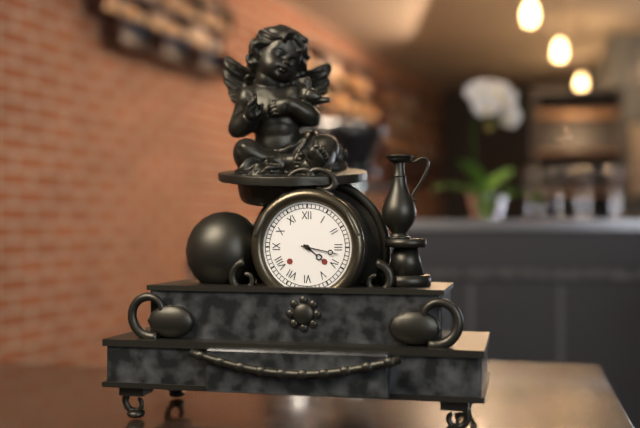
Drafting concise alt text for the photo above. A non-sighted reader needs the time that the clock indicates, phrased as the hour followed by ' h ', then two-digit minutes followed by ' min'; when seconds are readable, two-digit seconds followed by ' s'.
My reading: 4 h 17 min
